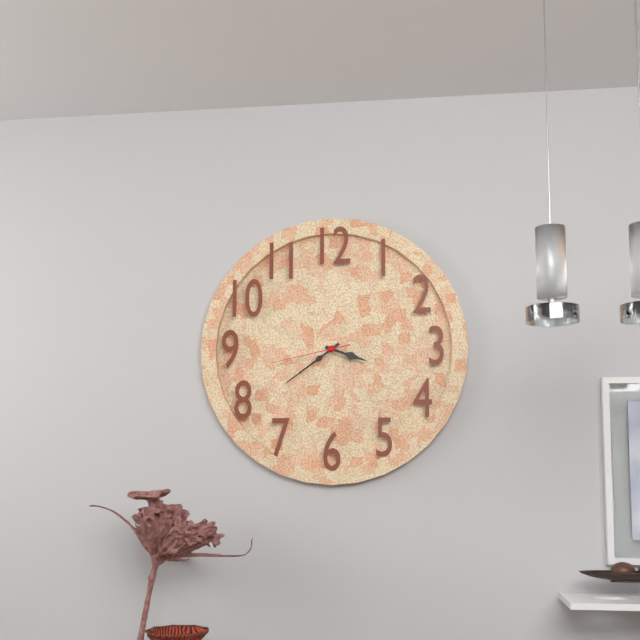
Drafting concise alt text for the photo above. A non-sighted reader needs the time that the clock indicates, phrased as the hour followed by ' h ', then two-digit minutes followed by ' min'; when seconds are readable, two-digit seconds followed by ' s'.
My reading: 3 h 39 min 43 s
